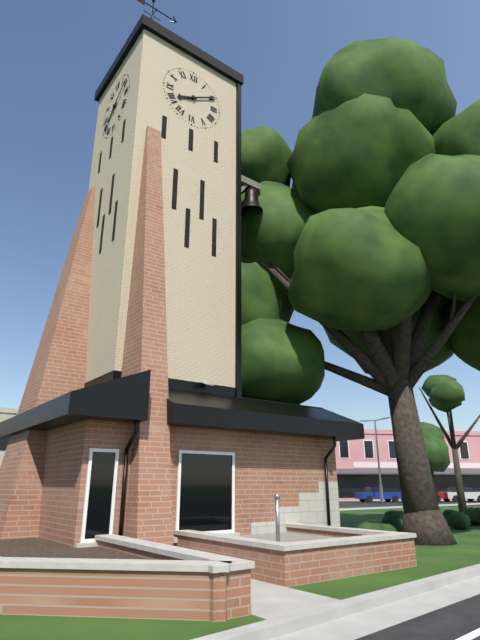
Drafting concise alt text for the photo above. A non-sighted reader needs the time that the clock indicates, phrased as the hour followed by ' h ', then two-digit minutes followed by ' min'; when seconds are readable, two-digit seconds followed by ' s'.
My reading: 8 h 10 min
